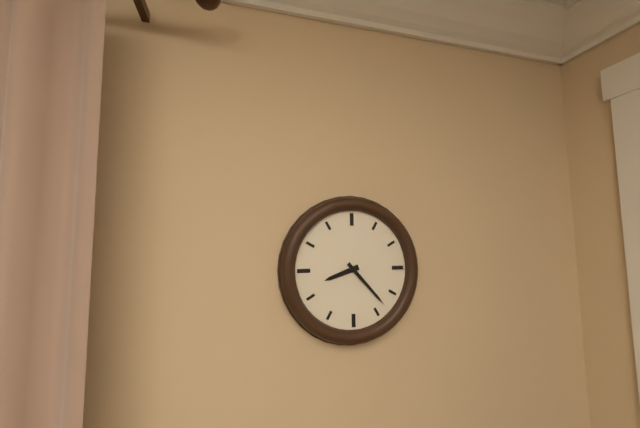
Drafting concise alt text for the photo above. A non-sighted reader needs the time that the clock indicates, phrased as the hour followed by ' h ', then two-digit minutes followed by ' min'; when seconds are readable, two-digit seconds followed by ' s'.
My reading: 8 h 23 min
